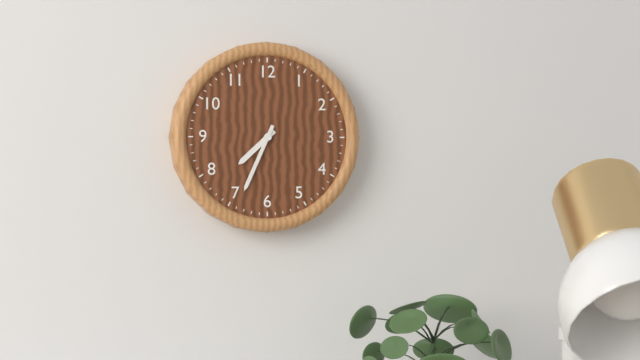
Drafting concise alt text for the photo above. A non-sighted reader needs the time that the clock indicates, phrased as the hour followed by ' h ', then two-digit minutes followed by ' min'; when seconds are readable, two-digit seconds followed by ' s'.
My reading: 7 h 34 min
